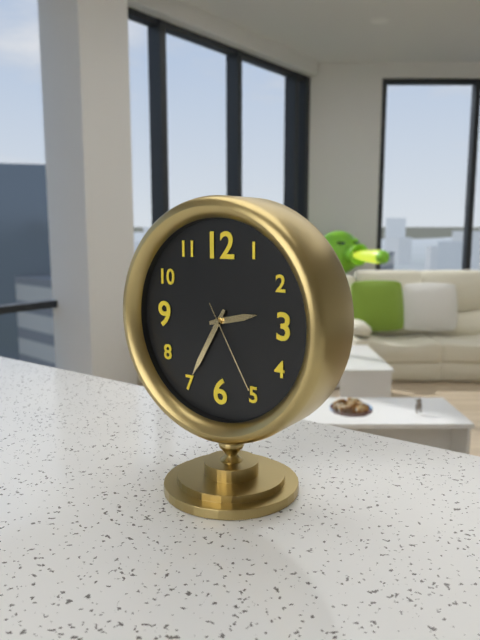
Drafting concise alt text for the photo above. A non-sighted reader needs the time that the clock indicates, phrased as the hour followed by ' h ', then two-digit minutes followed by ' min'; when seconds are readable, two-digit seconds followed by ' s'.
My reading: 2 h 35 min 25 s
